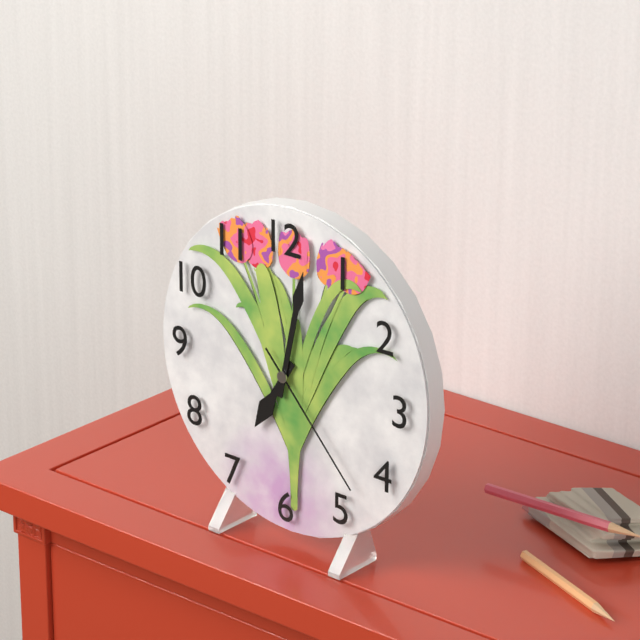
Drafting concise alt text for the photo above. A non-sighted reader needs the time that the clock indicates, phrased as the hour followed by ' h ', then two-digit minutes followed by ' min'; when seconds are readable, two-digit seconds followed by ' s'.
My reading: 7 h 02 min 23 s
